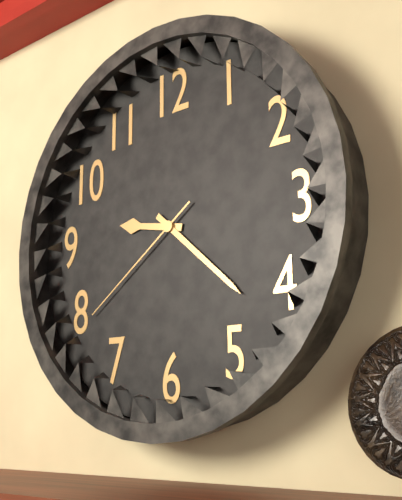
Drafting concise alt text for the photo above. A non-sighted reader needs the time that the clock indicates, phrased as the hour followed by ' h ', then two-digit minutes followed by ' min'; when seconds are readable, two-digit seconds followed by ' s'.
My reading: 9 h 22 min 39 s
